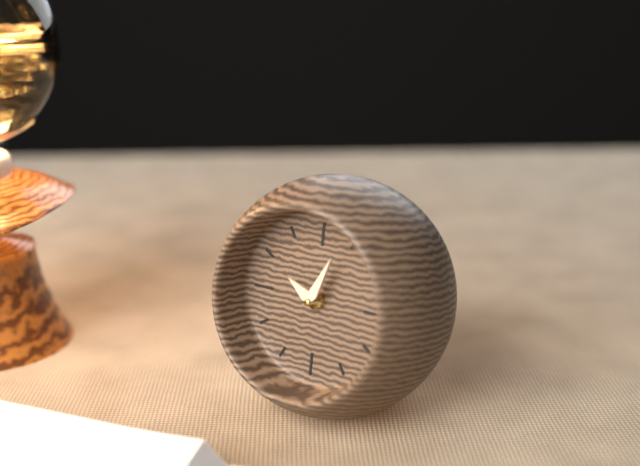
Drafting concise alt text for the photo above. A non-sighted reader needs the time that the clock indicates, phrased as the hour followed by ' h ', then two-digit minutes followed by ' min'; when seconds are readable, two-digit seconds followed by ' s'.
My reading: 10 h 04 min
